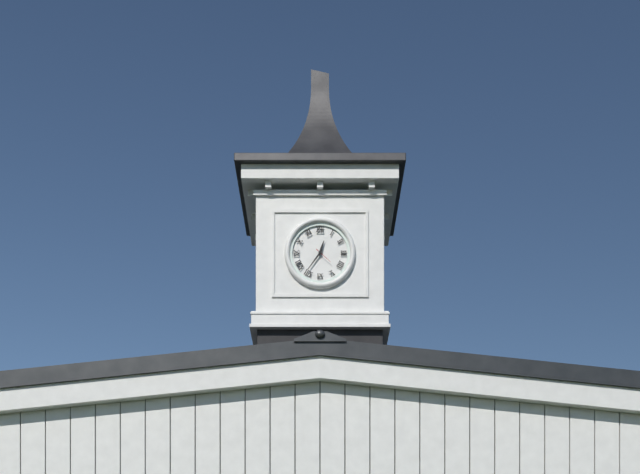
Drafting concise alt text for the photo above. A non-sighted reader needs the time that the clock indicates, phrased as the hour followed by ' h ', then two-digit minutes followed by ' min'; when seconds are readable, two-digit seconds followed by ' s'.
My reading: 12 h 36 min
